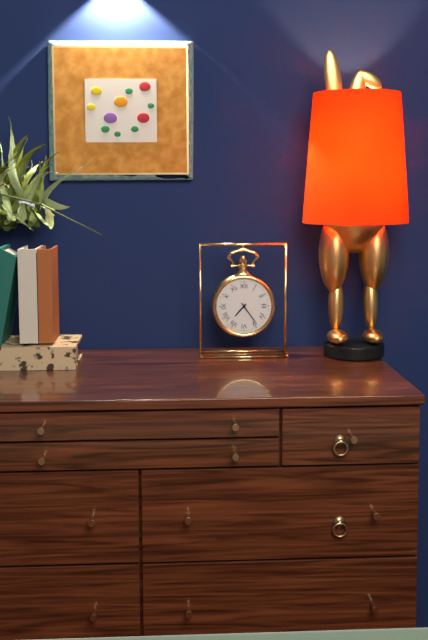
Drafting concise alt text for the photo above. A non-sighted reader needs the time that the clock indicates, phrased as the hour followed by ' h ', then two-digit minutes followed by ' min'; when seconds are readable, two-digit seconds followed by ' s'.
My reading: 7 h 24 min
